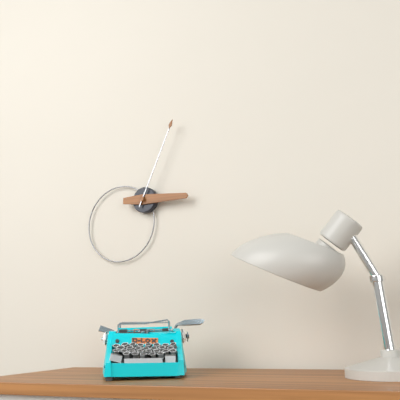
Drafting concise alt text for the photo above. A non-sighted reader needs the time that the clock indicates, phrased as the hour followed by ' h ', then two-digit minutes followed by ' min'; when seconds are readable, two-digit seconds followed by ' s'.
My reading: 3 h 04 min
